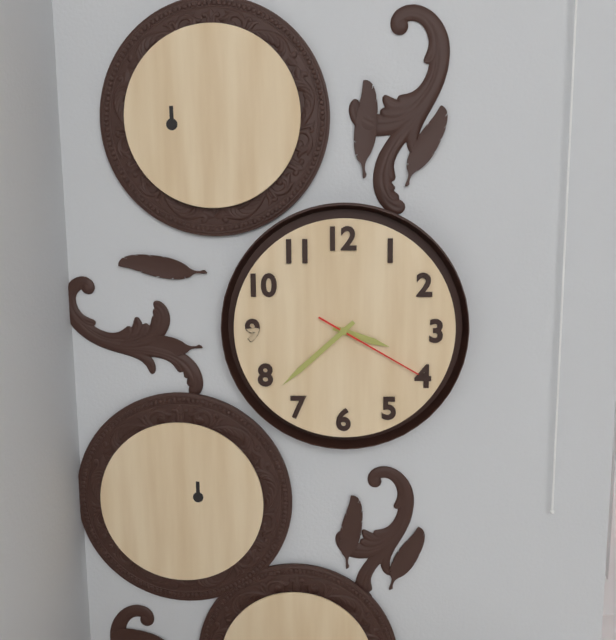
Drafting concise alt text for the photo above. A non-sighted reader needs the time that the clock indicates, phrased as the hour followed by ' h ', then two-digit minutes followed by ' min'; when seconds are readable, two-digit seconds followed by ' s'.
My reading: 3 h 38 min 20 s
